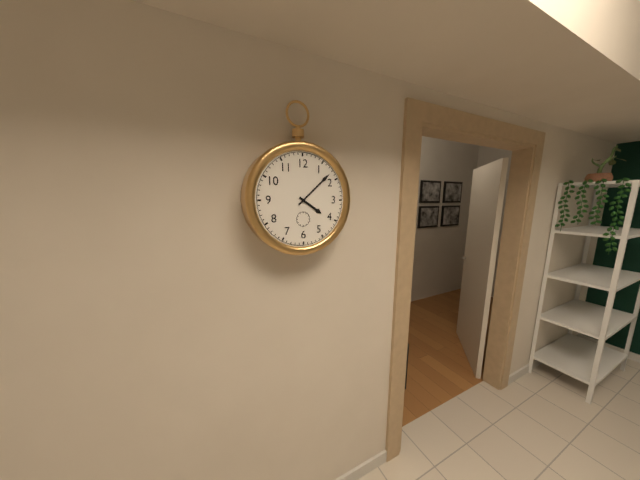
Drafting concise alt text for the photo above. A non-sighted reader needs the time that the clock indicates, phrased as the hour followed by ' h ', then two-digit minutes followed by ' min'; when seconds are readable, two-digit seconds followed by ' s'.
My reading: 4 h 08 min
